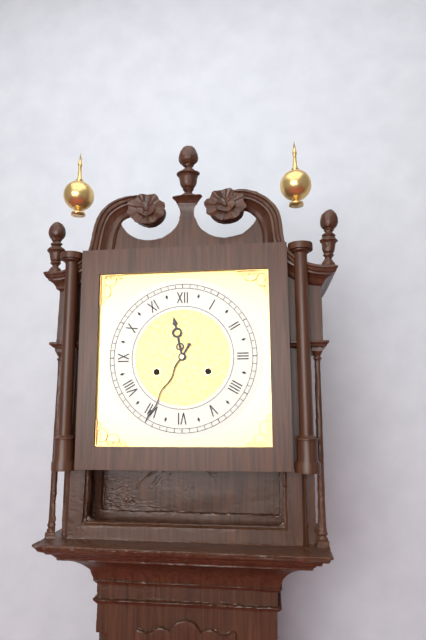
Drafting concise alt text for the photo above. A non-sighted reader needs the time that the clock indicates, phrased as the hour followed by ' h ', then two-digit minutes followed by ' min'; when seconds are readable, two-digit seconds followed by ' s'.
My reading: 11 h 35 min
